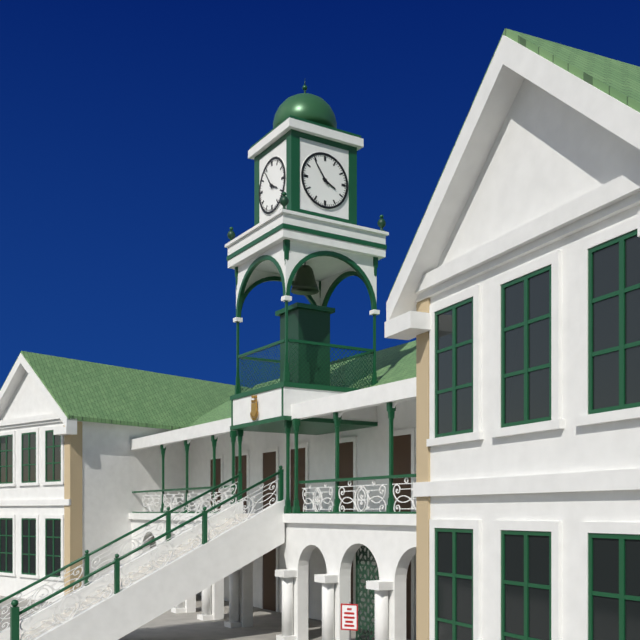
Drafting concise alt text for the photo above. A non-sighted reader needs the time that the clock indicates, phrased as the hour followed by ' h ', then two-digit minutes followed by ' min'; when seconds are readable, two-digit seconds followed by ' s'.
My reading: 3 h 54 min
